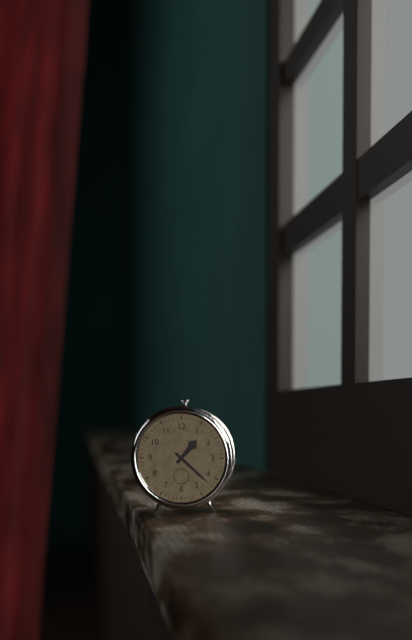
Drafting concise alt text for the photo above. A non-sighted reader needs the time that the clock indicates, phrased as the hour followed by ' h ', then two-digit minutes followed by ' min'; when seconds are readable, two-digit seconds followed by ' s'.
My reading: 1 h 22 min
